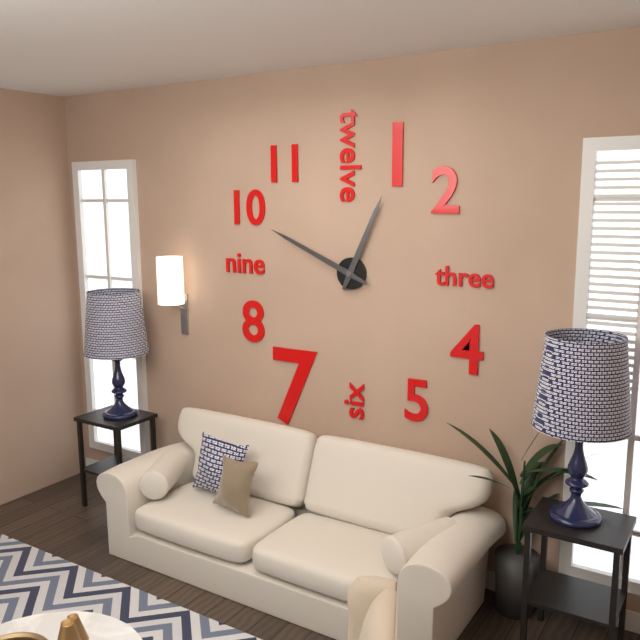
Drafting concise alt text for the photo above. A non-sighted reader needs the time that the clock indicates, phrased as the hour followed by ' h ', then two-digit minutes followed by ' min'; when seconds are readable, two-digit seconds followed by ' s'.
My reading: 12 h 49 min
